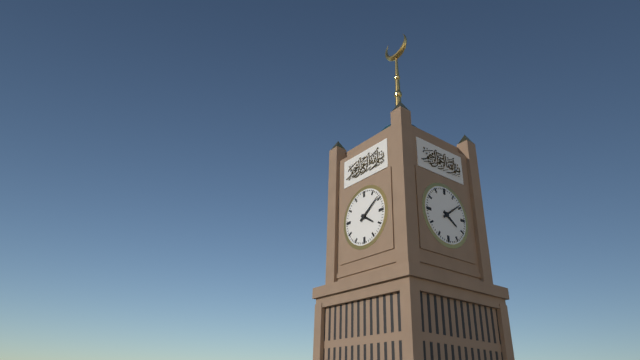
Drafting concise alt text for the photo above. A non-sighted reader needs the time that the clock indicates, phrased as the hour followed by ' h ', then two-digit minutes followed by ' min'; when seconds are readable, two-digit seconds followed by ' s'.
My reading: 4 h 09 min
